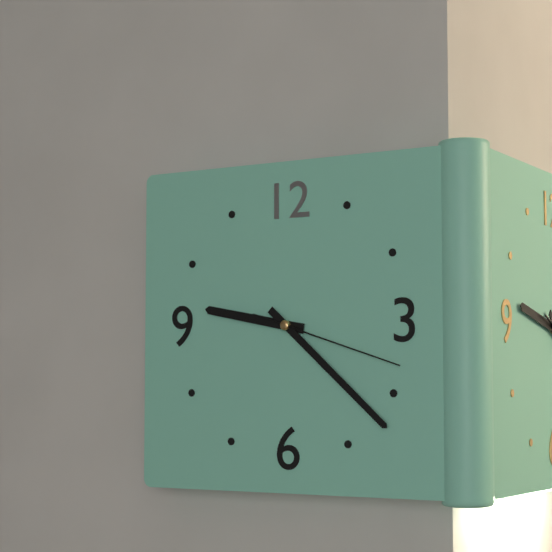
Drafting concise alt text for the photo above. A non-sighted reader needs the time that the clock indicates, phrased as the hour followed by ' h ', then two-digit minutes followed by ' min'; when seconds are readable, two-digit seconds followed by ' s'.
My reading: 9 h 22 min 18 s
